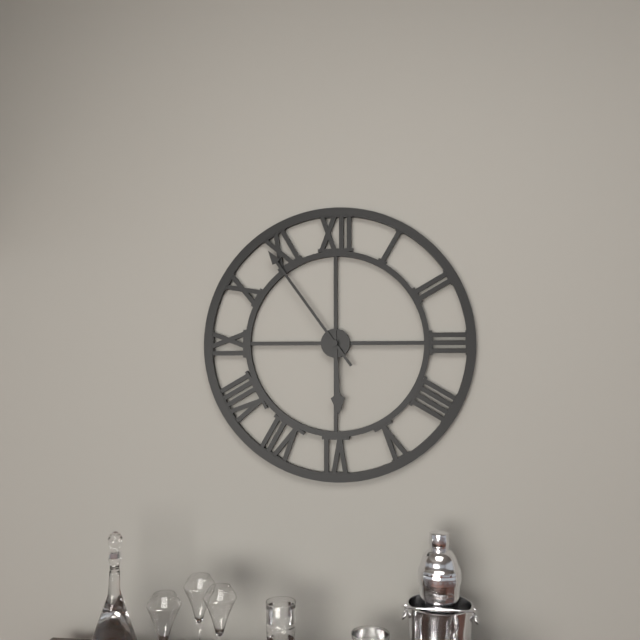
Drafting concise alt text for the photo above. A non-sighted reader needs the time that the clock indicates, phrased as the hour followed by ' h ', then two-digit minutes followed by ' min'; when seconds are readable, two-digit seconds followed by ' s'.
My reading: 5 h 54 min
